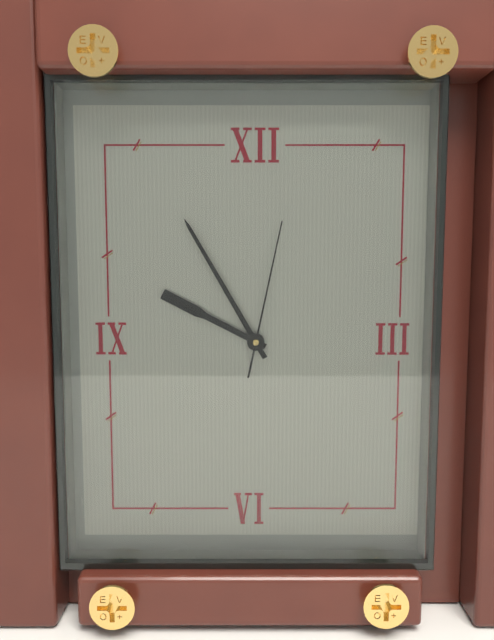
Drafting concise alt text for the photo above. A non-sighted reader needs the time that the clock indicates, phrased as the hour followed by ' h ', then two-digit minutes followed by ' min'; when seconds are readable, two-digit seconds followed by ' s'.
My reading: 9 h 55 min 02 s
